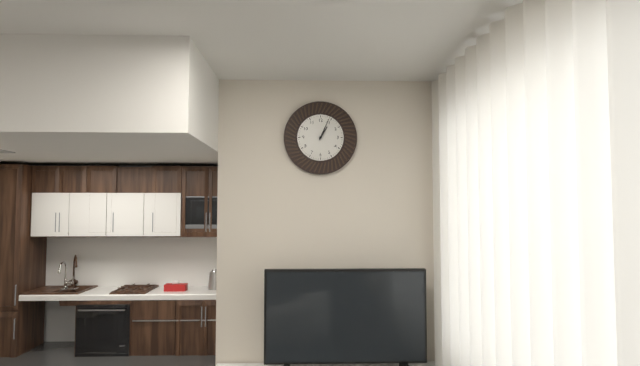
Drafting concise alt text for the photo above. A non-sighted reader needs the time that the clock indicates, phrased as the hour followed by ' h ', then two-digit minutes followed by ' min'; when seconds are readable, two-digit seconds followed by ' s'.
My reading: 1 h 04 min
